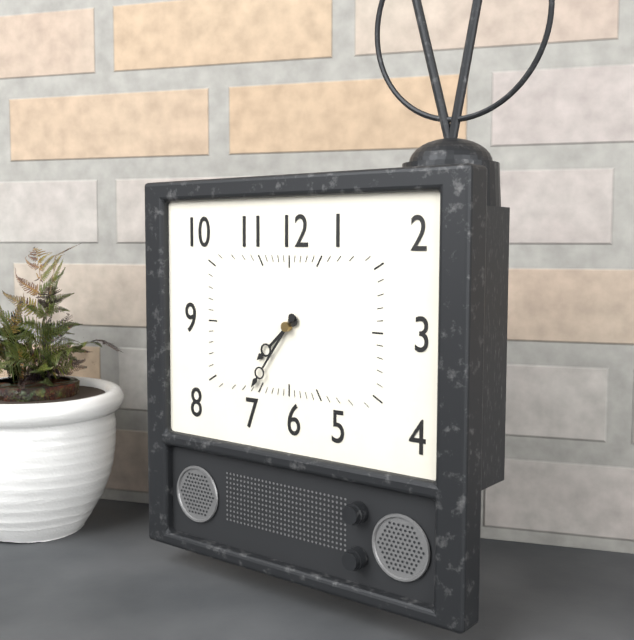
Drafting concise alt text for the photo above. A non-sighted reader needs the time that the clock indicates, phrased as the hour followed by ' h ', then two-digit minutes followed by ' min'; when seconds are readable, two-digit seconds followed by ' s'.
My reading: 7 h 36 min
